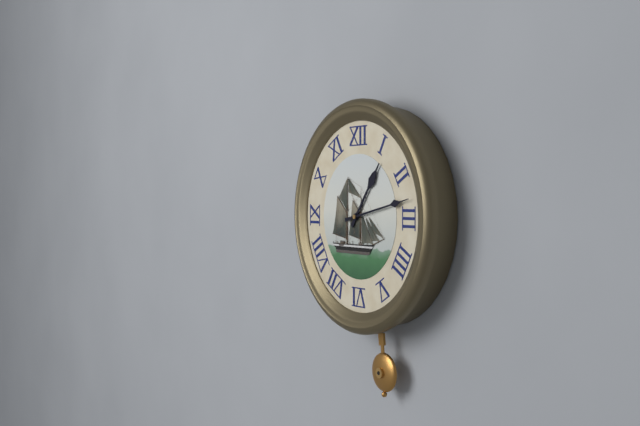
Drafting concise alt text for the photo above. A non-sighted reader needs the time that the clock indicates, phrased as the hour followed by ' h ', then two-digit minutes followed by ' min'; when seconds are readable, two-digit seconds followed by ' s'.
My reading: 1 h 13 min
